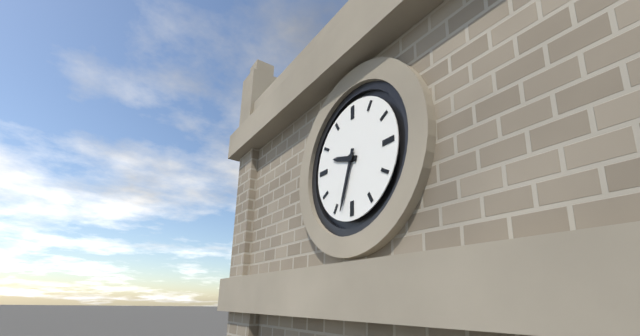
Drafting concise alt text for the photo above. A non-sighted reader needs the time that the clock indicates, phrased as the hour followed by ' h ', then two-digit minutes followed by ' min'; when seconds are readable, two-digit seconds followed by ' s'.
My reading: 9 h 33 min
